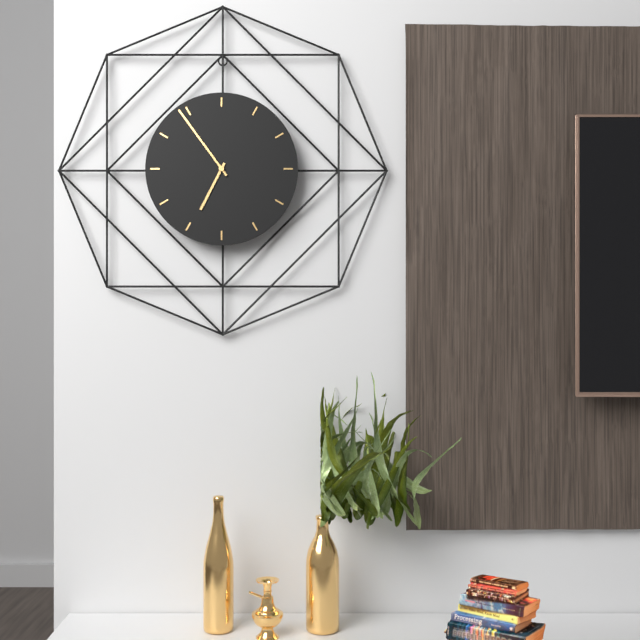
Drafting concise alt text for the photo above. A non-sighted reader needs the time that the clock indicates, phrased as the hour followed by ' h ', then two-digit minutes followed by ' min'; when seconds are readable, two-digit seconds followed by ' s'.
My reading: 6 h 54 min
